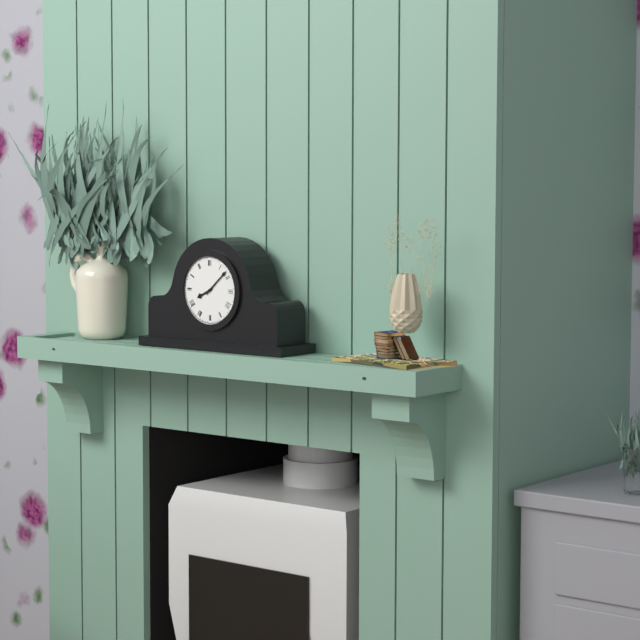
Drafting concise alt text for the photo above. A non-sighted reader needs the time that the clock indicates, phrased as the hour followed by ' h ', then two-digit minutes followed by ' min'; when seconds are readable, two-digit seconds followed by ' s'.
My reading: 8 h 08 min
